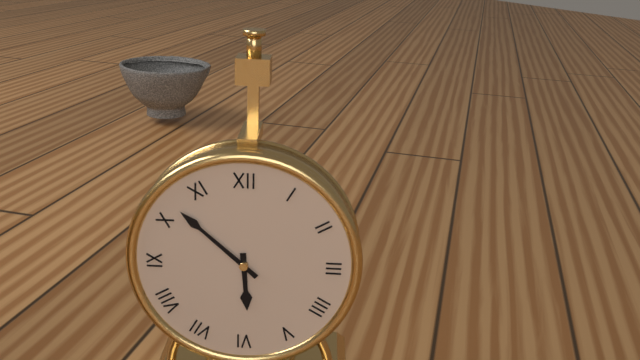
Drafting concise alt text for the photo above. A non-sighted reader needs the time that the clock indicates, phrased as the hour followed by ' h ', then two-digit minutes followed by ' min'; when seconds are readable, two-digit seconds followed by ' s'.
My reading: 5 h 52 min
